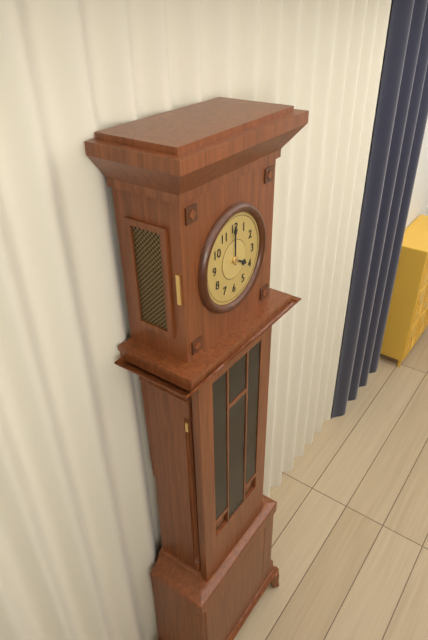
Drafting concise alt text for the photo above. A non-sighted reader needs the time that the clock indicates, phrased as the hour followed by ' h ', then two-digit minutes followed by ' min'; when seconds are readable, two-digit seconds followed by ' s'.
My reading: 4 h 00 min
